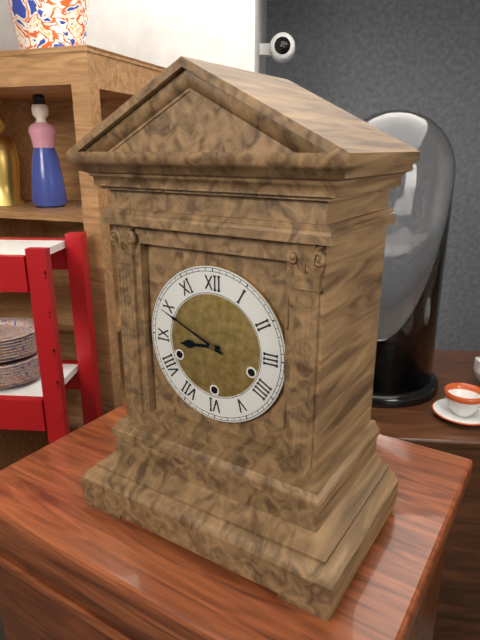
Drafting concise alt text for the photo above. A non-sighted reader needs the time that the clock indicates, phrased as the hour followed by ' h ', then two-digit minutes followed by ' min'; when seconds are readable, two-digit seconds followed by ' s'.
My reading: 8 h 49 min
